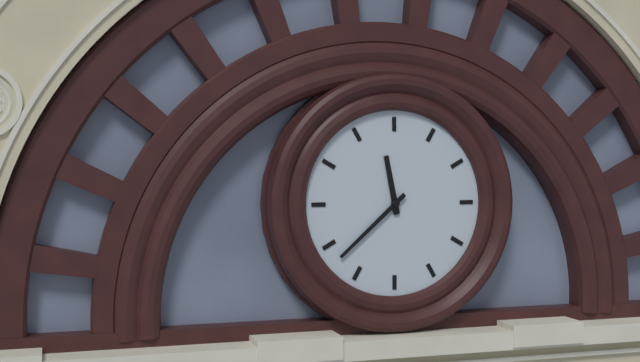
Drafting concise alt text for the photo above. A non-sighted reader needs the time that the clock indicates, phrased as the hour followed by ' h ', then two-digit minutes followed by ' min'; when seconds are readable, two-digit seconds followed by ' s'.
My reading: 11 h 38 min
